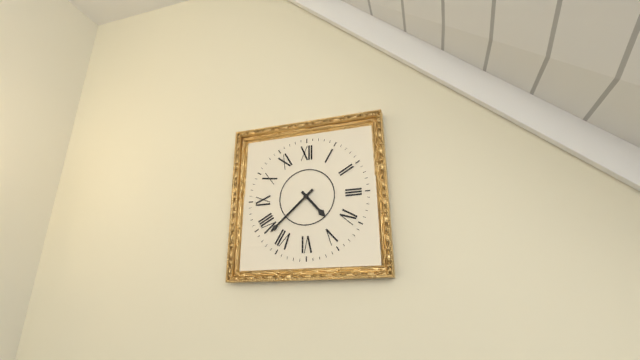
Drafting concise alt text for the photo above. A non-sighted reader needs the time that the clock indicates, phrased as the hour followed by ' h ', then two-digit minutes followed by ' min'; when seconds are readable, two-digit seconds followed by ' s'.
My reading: 4 h 38 min
